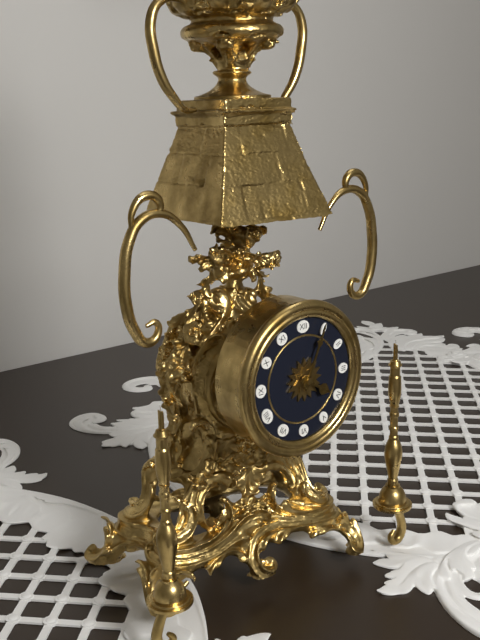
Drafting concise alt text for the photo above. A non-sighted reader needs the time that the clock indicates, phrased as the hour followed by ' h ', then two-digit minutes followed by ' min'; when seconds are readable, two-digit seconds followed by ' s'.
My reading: 4 h 04 min
